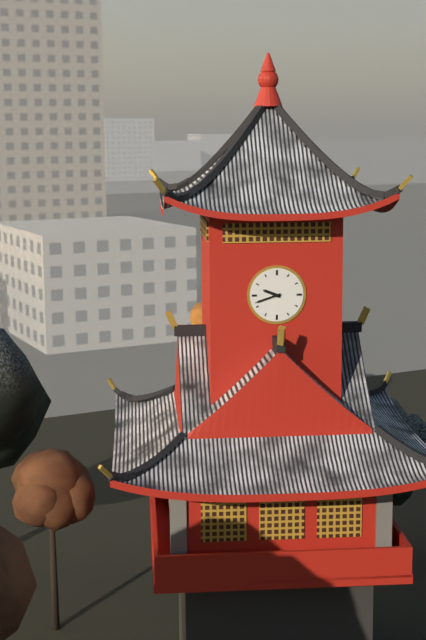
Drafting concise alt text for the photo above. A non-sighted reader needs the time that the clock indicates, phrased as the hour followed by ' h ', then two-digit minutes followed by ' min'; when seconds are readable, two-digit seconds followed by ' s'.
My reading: 9 h 42 min
